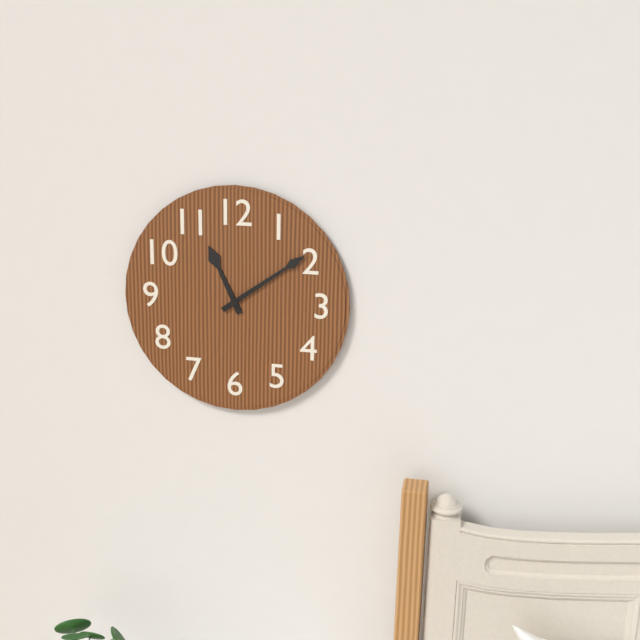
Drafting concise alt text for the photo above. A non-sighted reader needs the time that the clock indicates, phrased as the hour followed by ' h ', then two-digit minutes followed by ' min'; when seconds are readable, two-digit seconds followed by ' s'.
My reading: 11 h 09 min
